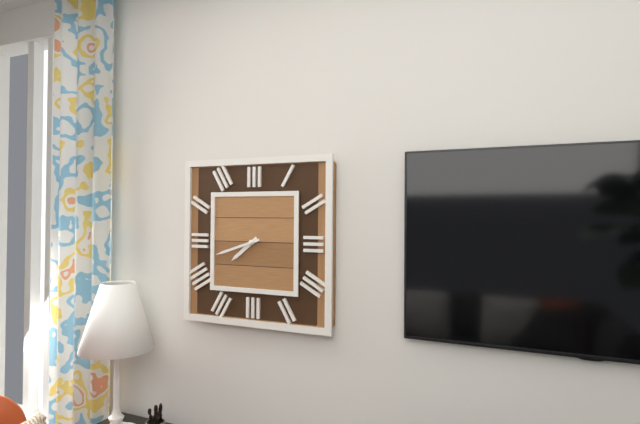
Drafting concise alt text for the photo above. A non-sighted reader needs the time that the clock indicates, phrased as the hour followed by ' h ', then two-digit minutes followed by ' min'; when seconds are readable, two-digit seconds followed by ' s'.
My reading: 7 h 42 min
